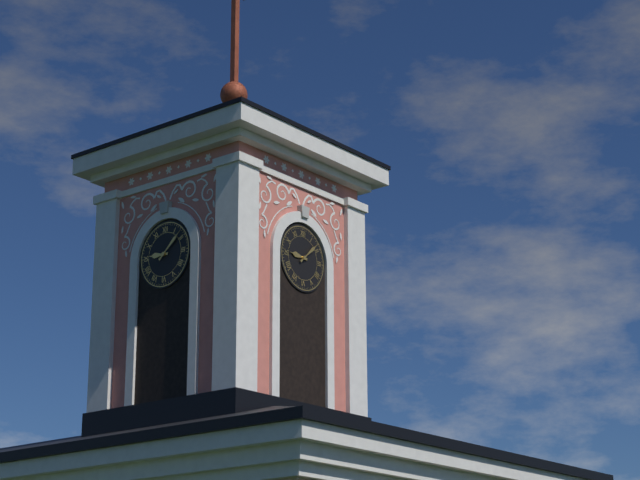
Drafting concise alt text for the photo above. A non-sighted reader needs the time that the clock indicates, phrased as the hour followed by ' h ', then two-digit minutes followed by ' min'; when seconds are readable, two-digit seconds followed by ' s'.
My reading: 9 h 08 min
